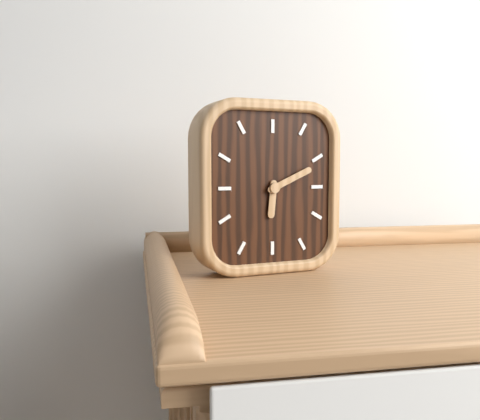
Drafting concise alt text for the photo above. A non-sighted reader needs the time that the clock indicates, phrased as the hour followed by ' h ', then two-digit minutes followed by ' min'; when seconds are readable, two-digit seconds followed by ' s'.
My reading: 6 h 11 min
